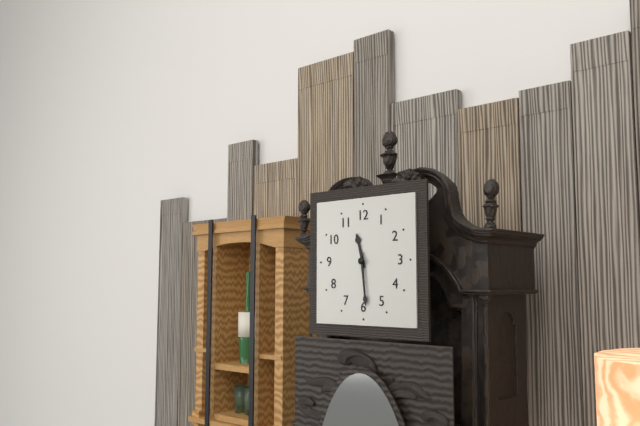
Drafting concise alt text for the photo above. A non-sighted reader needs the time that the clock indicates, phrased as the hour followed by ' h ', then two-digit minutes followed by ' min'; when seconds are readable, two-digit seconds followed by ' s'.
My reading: 11 h 29 min
